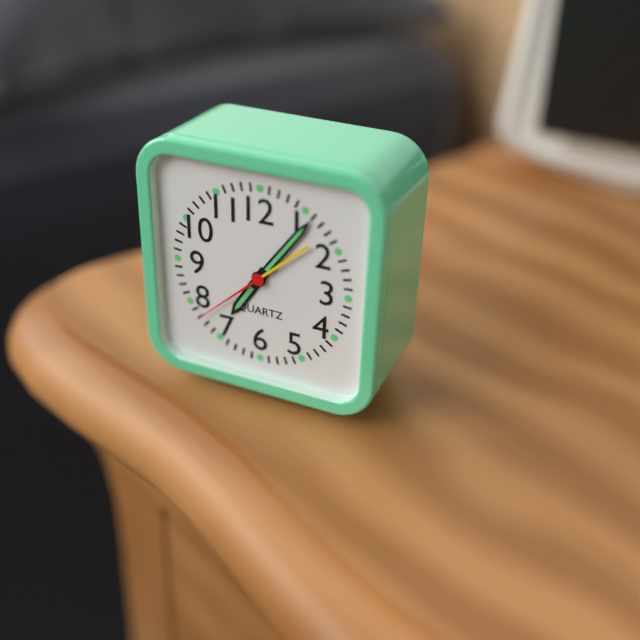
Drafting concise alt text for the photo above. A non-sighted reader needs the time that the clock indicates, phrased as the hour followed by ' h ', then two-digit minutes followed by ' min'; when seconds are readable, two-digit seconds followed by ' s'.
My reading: 7 h 06 min 38 s
